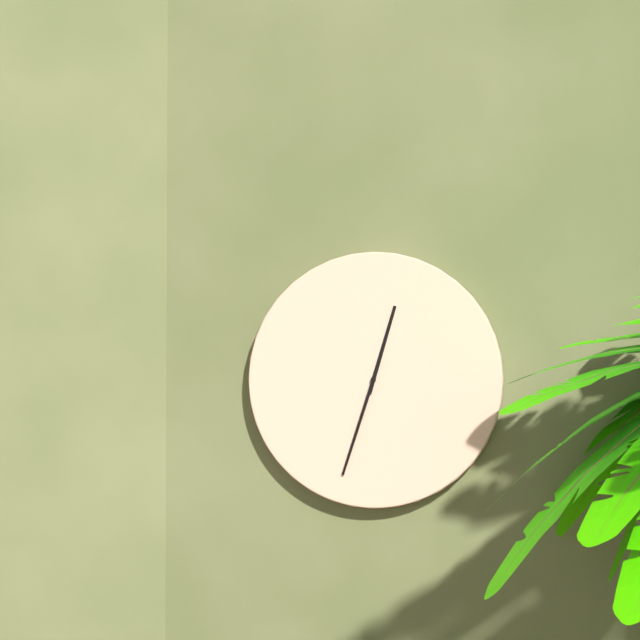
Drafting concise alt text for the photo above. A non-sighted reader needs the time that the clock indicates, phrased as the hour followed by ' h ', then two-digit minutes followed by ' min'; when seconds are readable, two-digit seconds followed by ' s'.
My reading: 12 h 33 min
